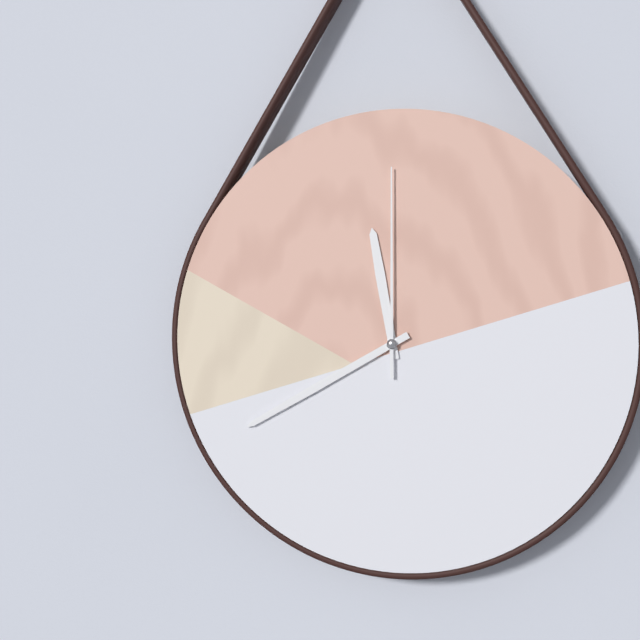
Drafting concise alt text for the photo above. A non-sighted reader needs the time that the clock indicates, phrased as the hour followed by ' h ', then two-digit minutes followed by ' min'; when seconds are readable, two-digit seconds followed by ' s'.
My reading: 11 h 40 min 00 s
